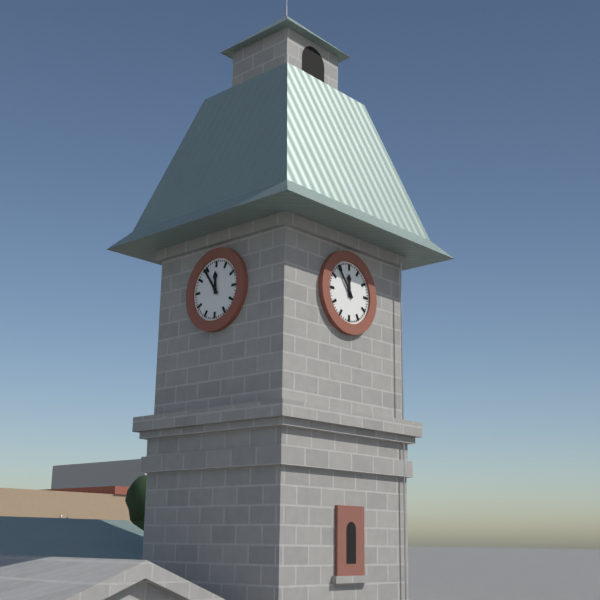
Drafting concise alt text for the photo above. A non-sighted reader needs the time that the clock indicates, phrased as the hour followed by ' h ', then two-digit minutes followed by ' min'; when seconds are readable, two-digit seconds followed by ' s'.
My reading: 11 h 54 min
